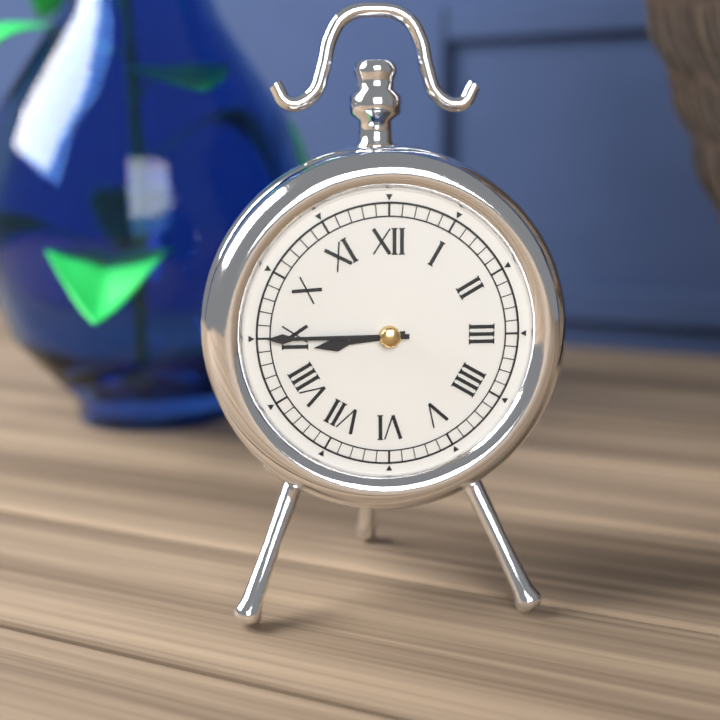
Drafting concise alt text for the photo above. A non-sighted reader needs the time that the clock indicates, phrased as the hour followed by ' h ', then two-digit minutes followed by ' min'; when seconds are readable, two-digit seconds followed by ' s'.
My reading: 8 h 45 min
